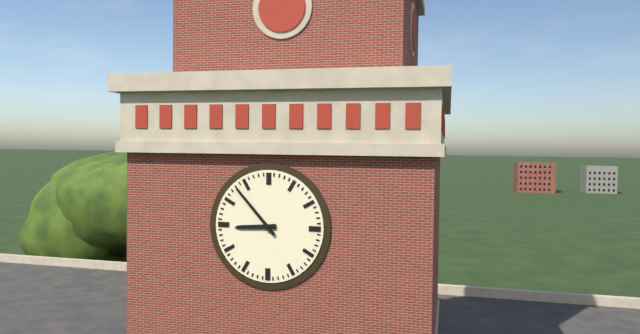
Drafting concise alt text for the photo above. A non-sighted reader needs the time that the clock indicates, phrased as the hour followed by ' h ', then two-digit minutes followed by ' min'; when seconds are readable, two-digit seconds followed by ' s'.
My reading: 8 h 53 min
